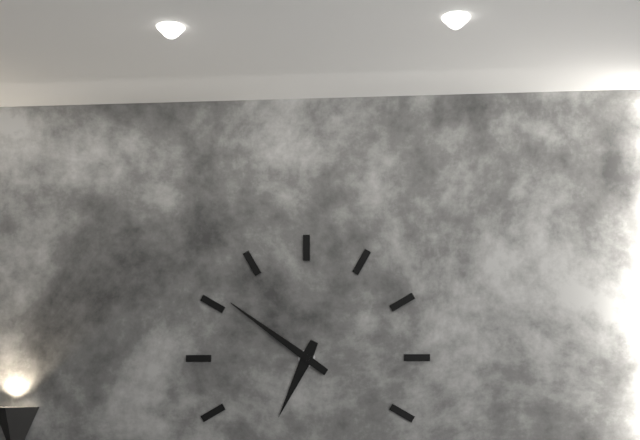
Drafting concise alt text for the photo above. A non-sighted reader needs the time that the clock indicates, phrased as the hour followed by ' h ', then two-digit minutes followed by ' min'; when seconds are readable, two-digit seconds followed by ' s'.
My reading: 6 h 51 min
